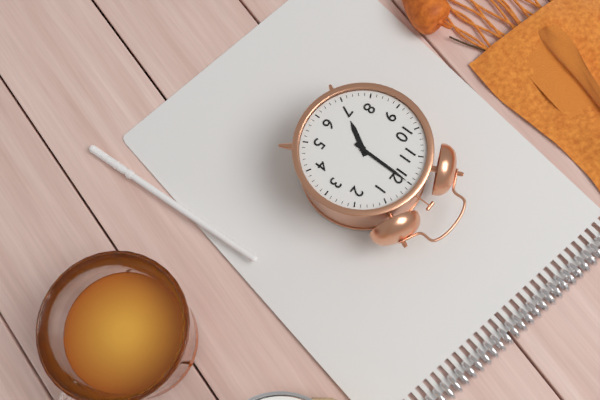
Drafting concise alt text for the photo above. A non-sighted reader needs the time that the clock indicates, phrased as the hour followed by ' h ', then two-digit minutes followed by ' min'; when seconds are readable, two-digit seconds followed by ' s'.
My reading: 7 h 00 min
